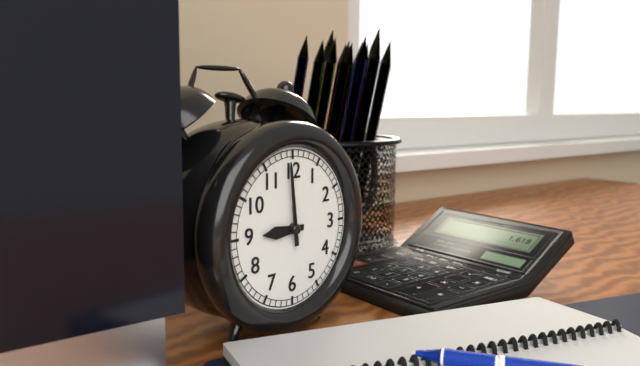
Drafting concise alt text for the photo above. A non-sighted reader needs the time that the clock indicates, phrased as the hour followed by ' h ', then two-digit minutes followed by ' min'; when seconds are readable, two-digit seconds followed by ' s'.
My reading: 8 h 59 min
